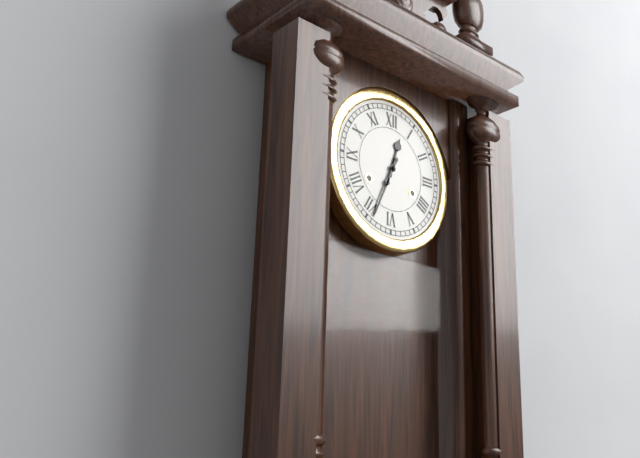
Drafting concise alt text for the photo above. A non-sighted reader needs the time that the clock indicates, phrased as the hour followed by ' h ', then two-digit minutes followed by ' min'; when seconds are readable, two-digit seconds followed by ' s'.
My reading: 12 h 34 min
